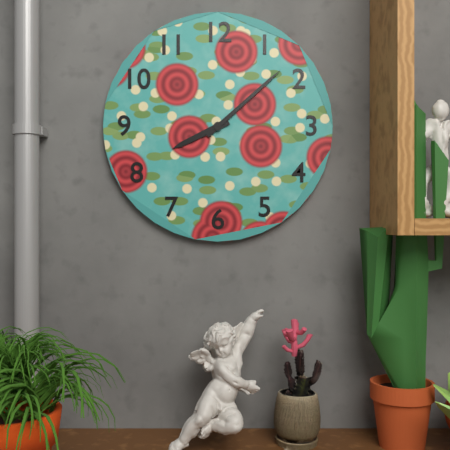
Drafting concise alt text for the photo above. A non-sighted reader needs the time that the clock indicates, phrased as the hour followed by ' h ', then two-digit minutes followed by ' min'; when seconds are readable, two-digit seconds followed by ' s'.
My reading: 8 h 08 min
